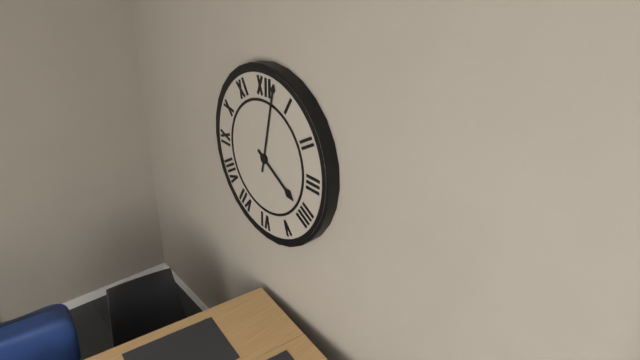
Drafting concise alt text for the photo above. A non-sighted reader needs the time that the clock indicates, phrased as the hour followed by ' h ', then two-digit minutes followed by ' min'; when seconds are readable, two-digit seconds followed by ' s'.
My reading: 4 h 02 min
